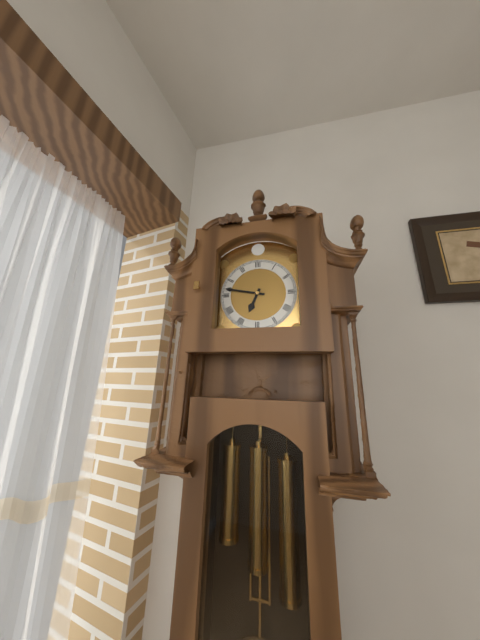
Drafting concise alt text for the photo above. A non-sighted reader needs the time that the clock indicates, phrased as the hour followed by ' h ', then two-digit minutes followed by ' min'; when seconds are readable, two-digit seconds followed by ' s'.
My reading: 6 h 47 min
